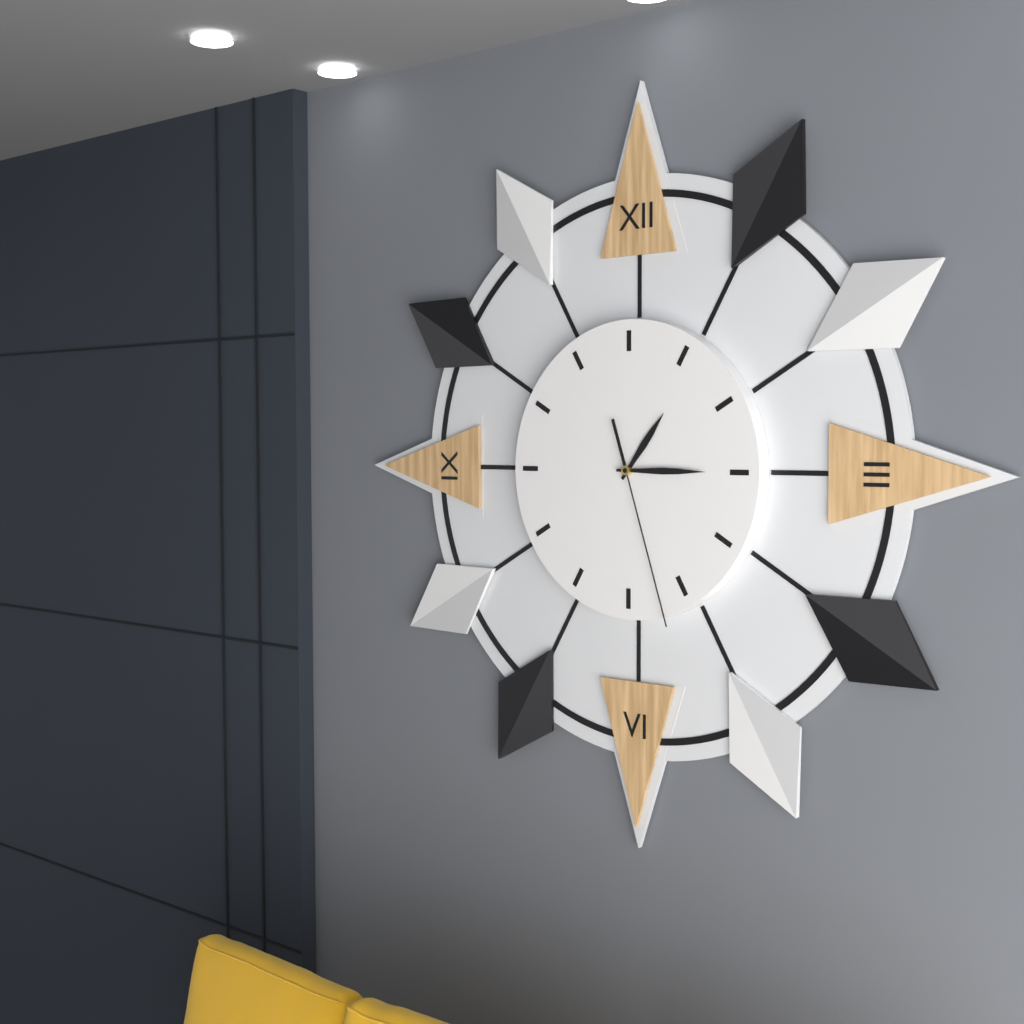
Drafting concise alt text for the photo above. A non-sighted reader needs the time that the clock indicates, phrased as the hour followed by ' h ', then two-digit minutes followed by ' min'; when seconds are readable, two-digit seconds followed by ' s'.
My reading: 1 h 15 min 27 s
